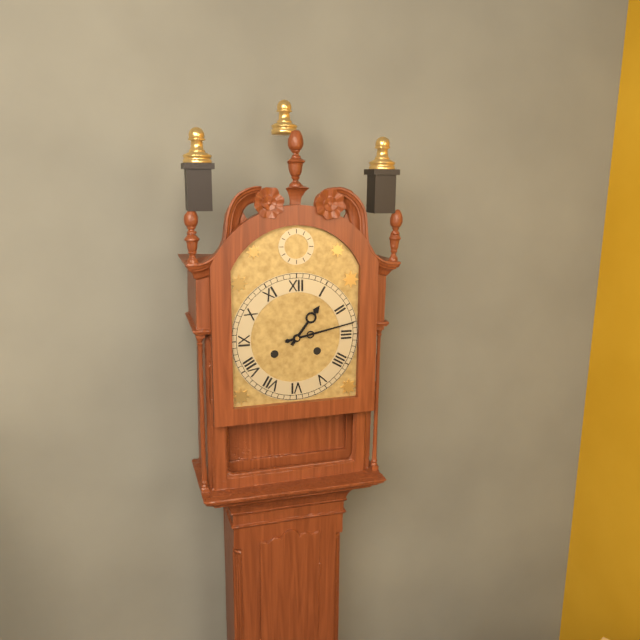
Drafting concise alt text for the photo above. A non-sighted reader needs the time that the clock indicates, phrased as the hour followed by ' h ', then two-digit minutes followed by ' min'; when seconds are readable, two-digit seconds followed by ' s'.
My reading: 1 h 13 min
